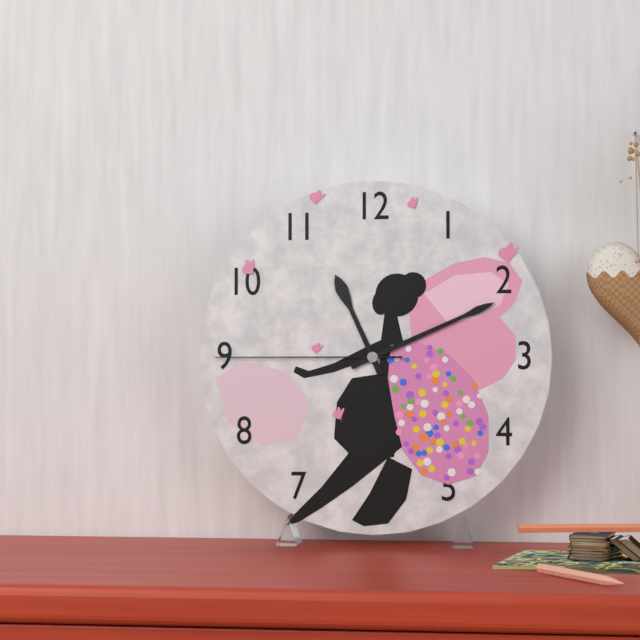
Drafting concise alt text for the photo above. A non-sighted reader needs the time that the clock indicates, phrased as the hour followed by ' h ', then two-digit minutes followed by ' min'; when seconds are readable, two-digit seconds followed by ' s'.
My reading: 11 h 11 min 45 s
